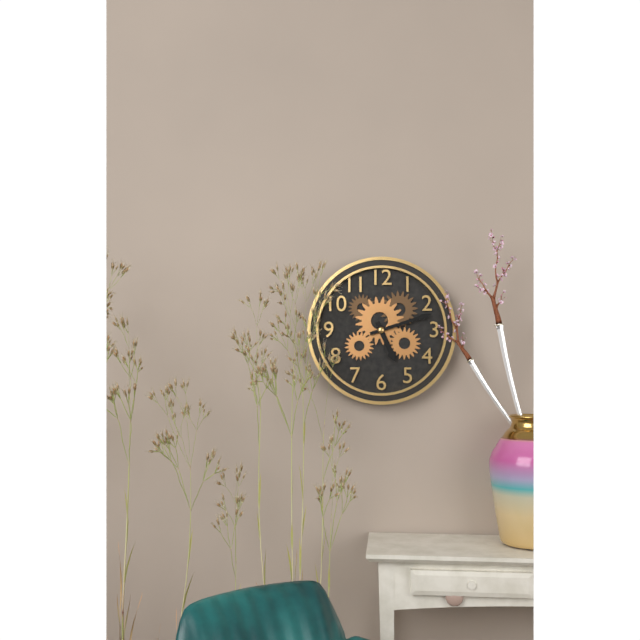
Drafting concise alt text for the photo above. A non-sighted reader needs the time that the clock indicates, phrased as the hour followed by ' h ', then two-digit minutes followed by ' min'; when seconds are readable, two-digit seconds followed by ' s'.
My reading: 5 h 12 min
